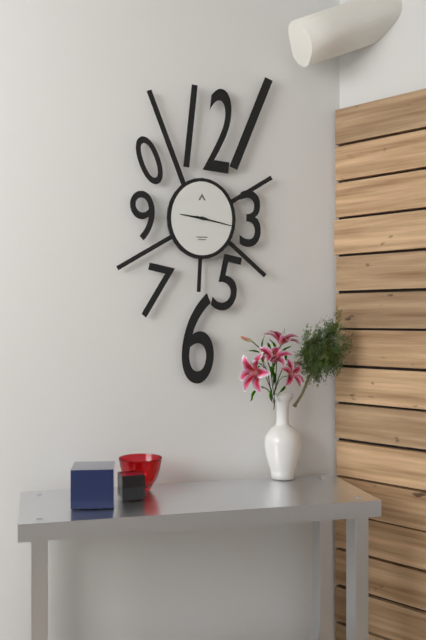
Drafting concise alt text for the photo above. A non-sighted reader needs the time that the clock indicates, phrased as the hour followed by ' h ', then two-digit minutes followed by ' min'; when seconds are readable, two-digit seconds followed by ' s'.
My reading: 9 h 17 min
